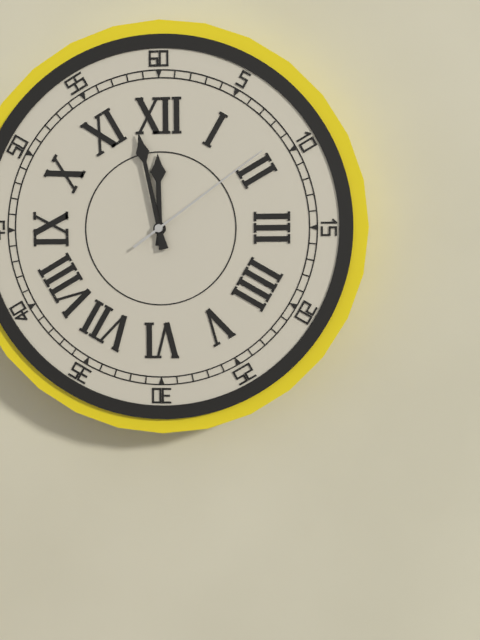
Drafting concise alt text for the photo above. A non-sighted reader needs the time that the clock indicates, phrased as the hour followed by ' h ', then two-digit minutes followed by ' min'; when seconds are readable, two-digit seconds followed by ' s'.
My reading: 11 h 58 min 09 s
